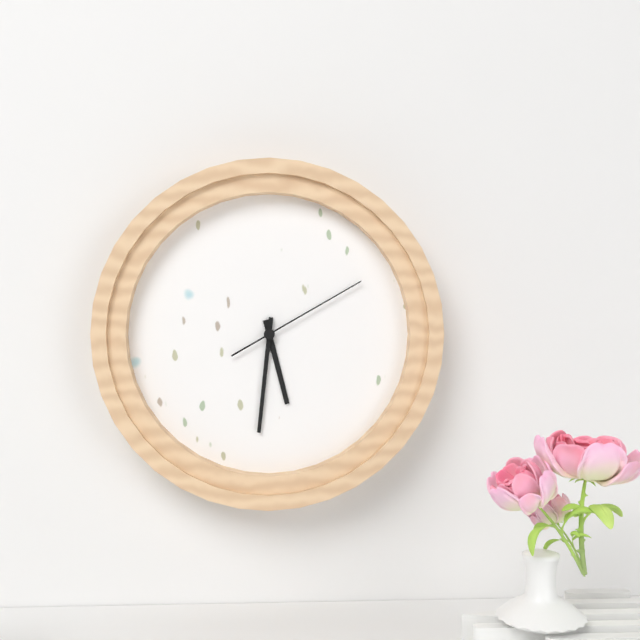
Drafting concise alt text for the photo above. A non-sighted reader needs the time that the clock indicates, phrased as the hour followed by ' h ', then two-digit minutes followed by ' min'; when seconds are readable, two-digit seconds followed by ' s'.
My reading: 5 h 31 min 10 s
